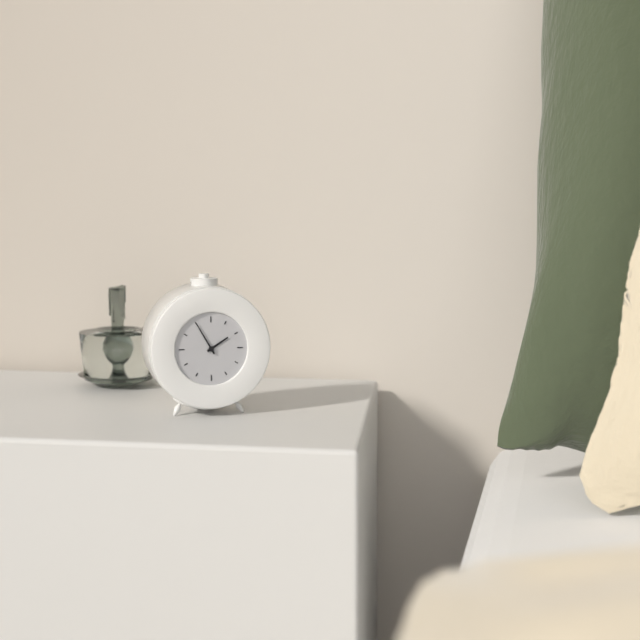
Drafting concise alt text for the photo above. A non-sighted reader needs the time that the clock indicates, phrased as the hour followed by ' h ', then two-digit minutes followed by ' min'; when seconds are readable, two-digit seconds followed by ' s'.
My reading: 1 h 55 min
